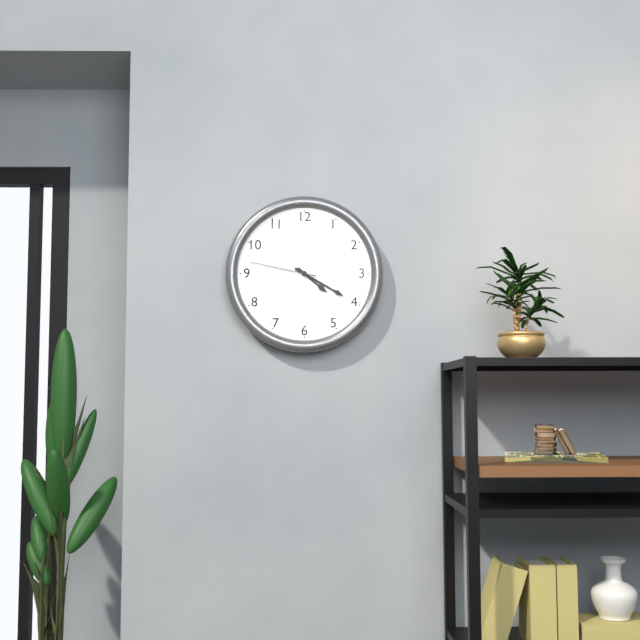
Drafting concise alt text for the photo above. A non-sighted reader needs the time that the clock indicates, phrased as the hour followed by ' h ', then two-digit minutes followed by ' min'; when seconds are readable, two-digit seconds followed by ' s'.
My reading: 4 h 20 min 47 s
